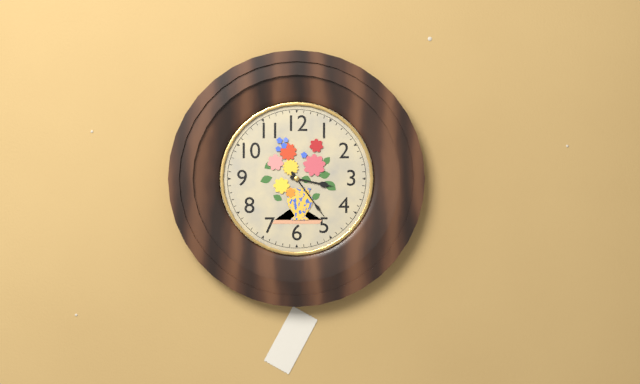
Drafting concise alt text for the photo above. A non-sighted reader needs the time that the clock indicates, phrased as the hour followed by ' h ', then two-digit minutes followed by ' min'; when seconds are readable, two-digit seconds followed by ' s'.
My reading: 3 h 24 min
